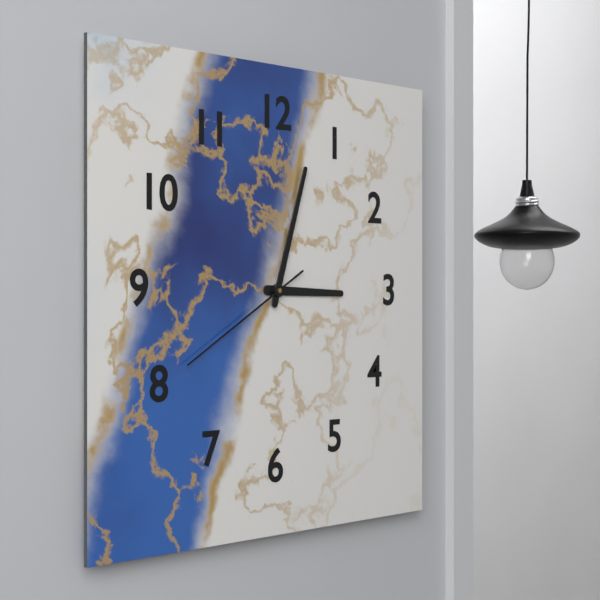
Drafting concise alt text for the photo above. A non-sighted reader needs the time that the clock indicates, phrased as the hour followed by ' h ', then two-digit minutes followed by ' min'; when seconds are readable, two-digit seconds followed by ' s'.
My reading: 3 h 03 min 40 s
